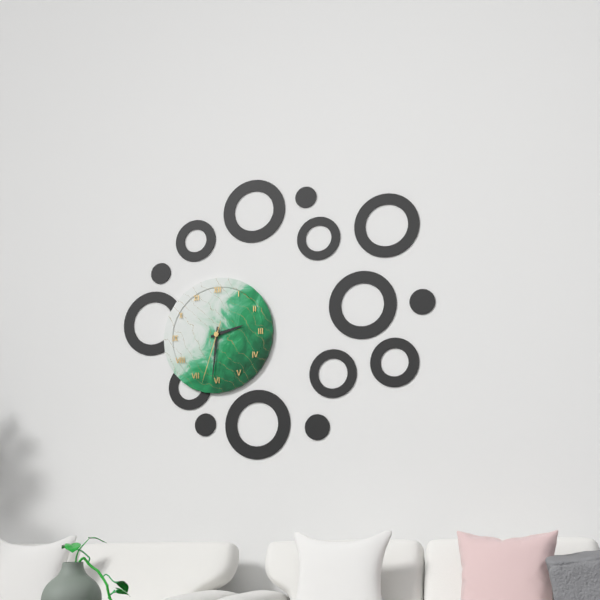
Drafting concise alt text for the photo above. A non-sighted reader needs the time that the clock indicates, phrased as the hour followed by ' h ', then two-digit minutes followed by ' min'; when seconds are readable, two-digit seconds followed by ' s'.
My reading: 2 h 31 min 33 s
